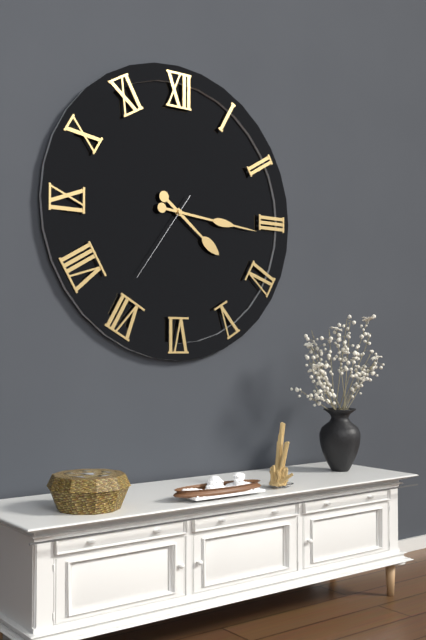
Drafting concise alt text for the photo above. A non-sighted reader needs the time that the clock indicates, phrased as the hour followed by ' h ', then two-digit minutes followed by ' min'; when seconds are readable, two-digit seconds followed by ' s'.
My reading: 4 h 16 min 36 s
